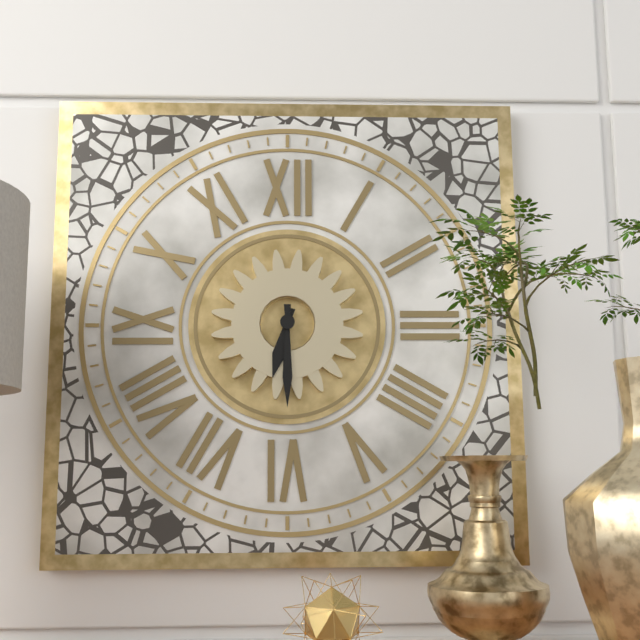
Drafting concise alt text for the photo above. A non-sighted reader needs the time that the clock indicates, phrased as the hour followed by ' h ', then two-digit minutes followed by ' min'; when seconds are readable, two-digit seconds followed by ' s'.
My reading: 6 h 30 min
